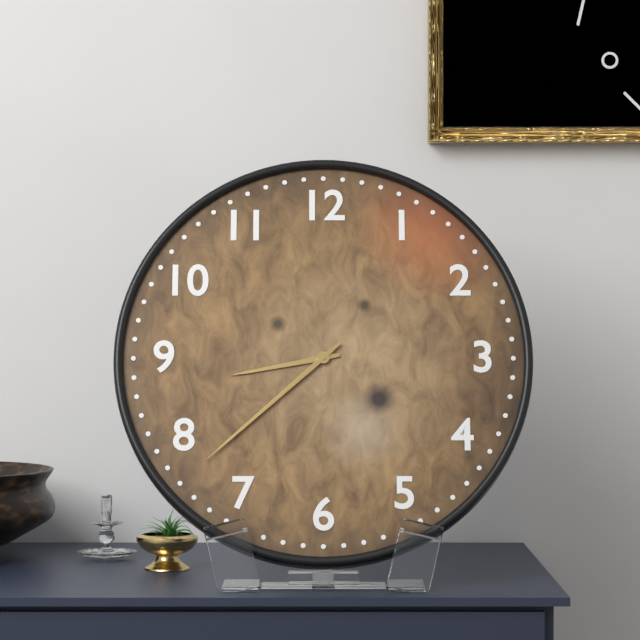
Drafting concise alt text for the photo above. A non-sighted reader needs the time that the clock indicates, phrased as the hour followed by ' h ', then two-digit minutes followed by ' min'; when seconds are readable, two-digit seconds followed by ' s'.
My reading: 8 h 38 min
